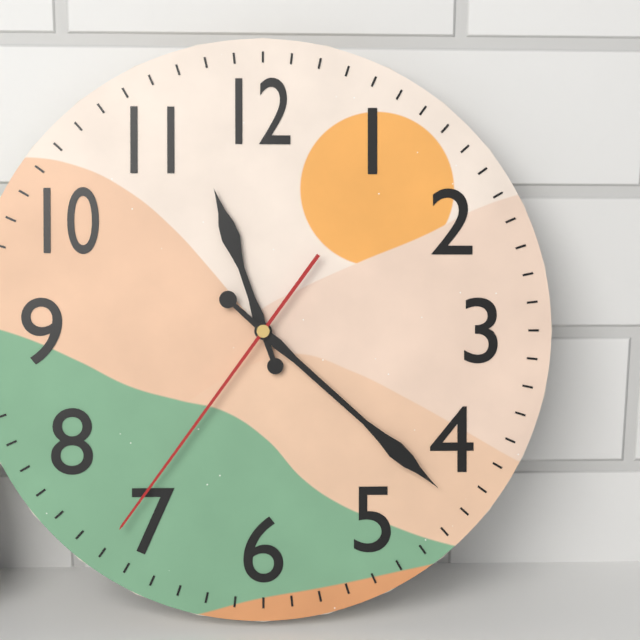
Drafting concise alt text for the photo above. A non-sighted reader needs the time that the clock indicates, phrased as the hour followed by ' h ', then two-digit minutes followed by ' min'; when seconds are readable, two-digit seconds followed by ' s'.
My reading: 11 h 22 min 36 s
